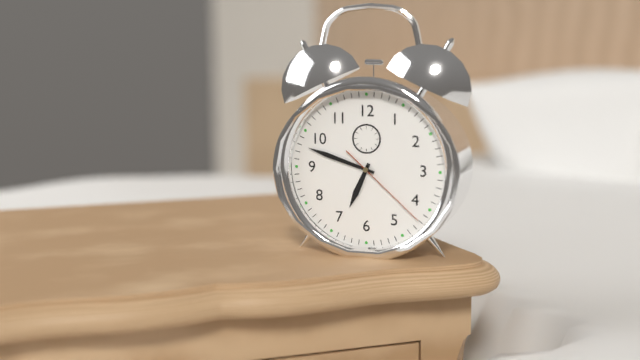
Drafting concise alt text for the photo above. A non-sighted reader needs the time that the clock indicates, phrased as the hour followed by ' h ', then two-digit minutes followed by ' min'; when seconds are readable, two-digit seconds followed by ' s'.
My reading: 6 h 48 min 22 s
